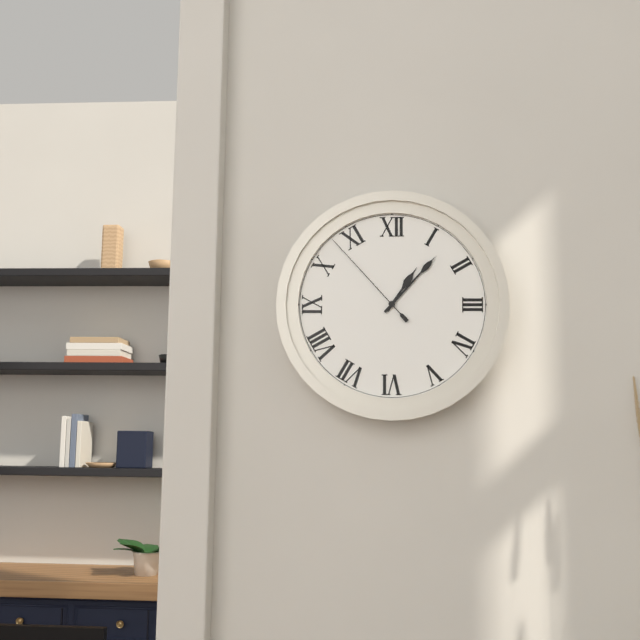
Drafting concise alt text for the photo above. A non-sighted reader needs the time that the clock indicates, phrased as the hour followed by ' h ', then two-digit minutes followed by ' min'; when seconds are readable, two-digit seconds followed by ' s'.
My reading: 1 h 07 min 53 s
